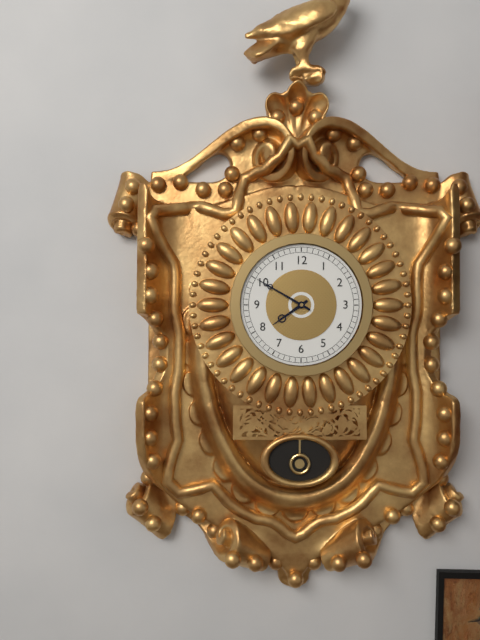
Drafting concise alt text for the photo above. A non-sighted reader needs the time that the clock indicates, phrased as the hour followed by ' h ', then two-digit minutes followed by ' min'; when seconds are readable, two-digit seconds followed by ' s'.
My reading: 7 h 50 min
